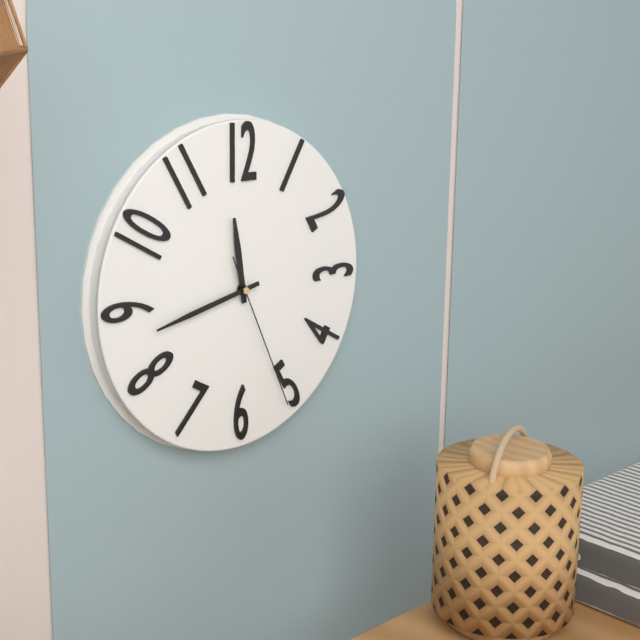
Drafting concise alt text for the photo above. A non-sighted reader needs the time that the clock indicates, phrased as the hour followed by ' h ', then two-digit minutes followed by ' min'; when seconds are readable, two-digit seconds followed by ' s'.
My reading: 11 h 43 min 26 s
